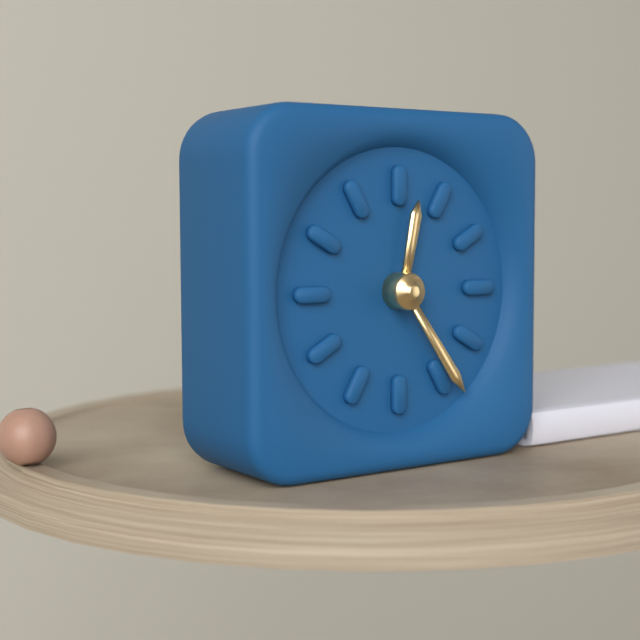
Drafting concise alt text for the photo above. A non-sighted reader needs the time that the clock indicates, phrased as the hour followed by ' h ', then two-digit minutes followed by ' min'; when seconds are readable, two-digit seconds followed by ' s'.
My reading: 12 h 24 min
